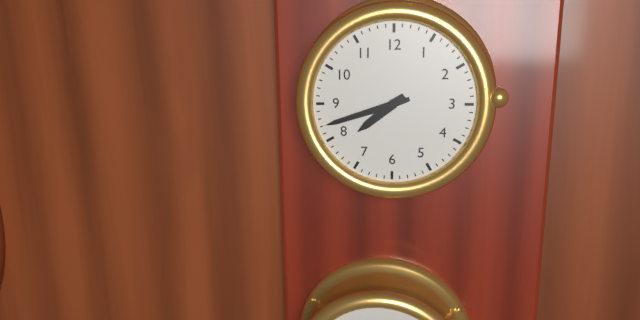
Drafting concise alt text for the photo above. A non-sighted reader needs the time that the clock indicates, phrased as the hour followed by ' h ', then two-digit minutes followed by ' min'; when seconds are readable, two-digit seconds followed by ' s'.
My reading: 7 h 42 min
